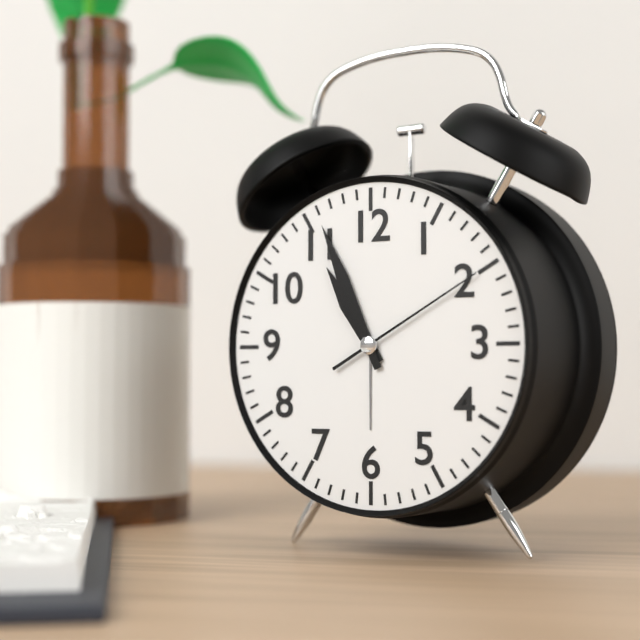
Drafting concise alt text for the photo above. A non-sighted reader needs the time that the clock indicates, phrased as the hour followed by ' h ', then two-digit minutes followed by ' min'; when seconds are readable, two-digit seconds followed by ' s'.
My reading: 10 h 56 min 10 s
